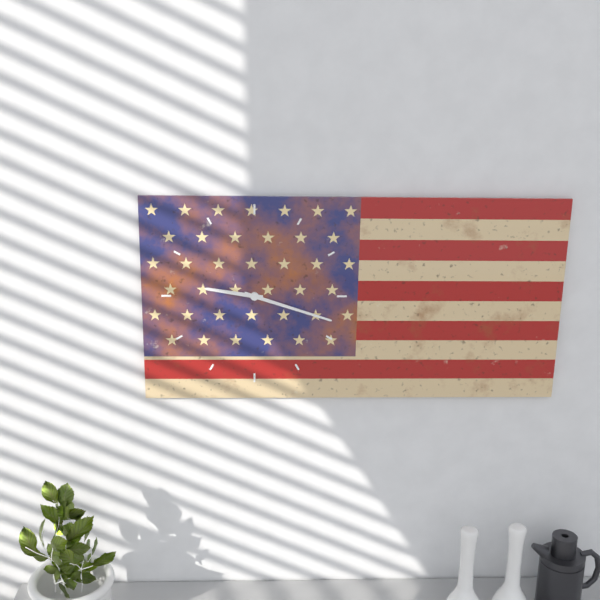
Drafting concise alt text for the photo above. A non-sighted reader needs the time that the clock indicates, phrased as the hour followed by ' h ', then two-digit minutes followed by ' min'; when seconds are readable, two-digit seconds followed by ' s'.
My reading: 9 h 18 min
